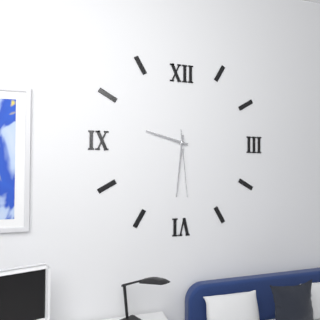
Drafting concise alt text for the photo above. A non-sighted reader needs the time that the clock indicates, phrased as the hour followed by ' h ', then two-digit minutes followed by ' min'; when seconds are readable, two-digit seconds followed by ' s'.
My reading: 9 h 31 min 29 s
